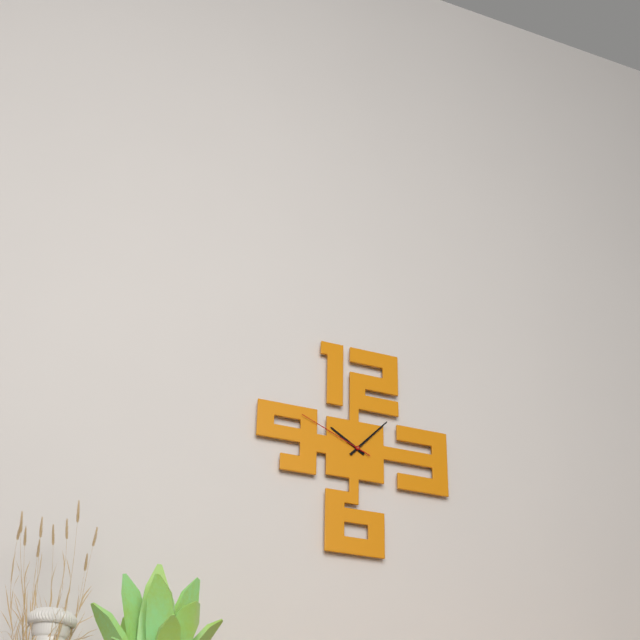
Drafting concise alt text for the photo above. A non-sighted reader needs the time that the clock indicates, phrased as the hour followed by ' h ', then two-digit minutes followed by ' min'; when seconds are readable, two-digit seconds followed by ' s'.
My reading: 10 h 07 min 49 s
